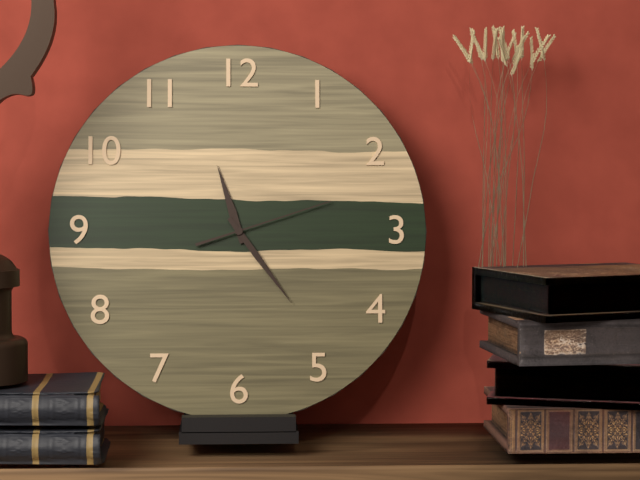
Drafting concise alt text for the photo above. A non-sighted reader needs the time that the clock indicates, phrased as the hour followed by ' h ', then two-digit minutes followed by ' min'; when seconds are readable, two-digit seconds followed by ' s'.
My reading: 11 h 24 min 12 s
